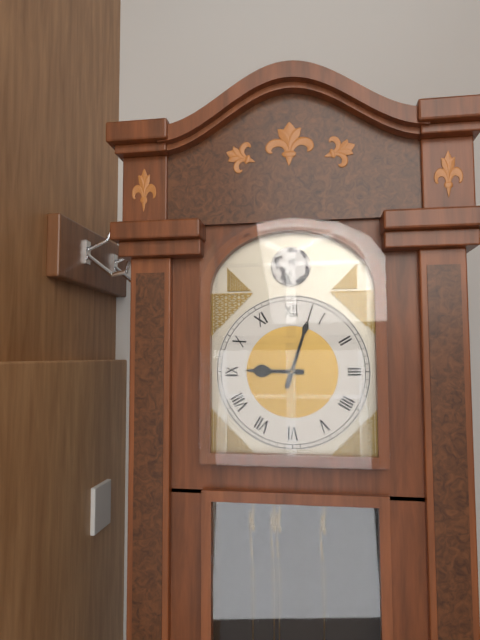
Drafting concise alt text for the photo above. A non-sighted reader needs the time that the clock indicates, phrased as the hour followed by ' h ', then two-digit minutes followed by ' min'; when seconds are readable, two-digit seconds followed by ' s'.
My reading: 9 h 03 min
